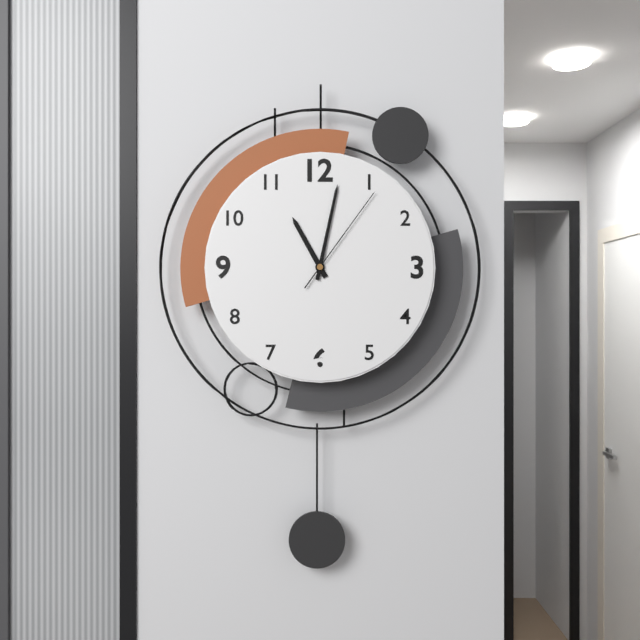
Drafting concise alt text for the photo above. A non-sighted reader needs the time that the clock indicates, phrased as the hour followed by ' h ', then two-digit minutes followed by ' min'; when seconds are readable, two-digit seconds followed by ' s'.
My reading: 11 h 02 min 06 s
